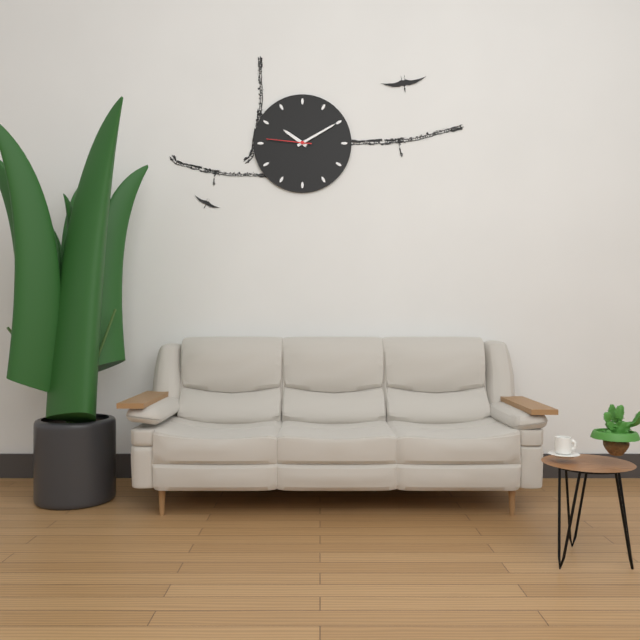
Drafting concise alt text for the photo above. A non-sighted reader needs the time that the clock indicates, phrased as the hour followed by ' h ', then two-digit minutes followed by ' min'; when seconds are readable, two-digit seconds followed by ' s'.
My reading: 10 h 10 min
